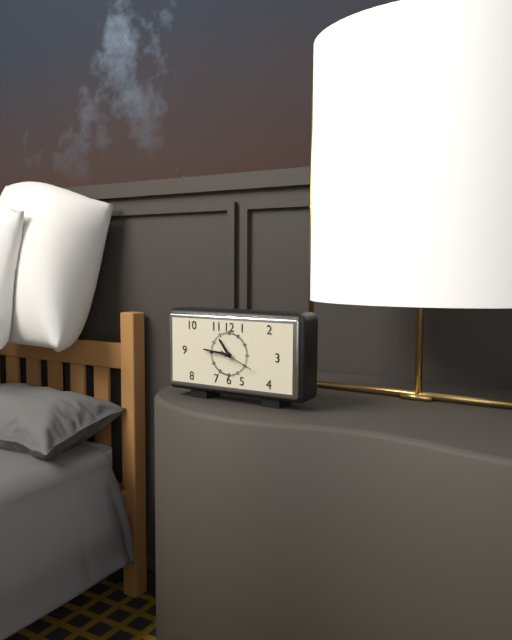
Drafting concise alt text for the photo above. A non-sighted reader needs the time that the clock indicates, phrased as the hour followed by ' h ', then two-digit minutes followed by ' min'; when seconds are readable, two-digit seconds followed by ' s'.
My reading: 10 h 46 min
